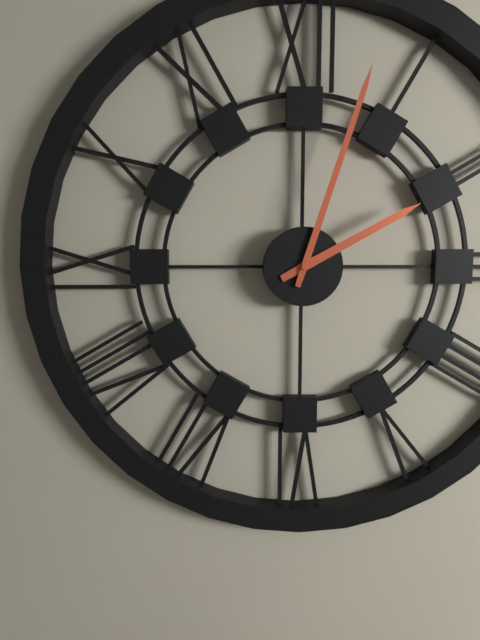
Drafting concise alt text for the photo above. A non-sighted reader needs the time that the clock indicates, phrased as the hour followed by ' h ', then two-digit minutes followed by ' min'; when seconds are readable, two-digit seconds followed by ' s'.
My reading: 2 h 03 min
